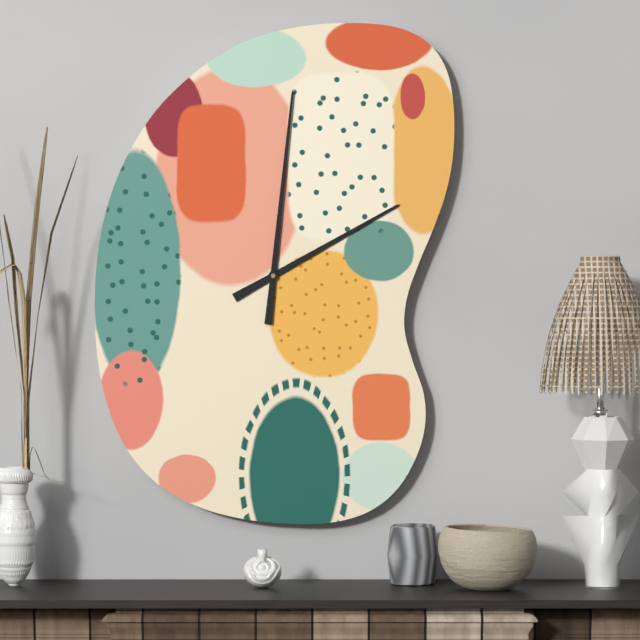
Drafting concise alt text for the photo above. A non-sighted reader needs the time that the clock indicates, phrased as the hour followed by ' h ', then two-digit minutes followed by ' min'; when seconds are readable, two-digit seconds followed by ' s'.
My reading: 2 h 01 min
